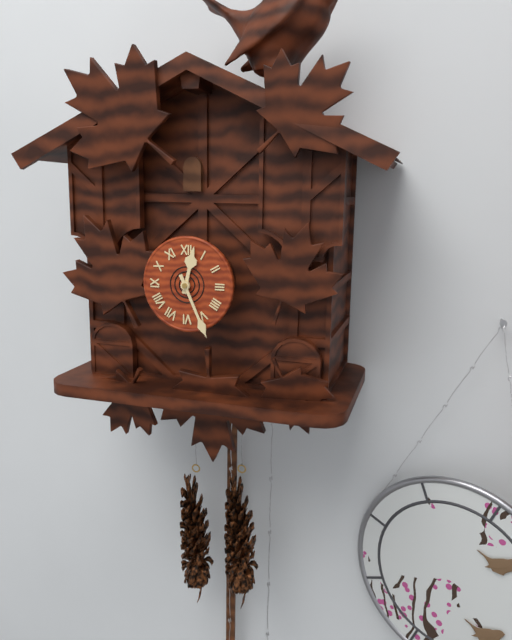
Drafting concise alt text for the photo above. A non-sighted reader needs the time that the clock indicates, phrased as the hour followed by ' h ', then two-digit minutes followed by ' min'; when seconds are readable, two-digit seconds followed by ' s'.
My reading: 12 h 26 min
